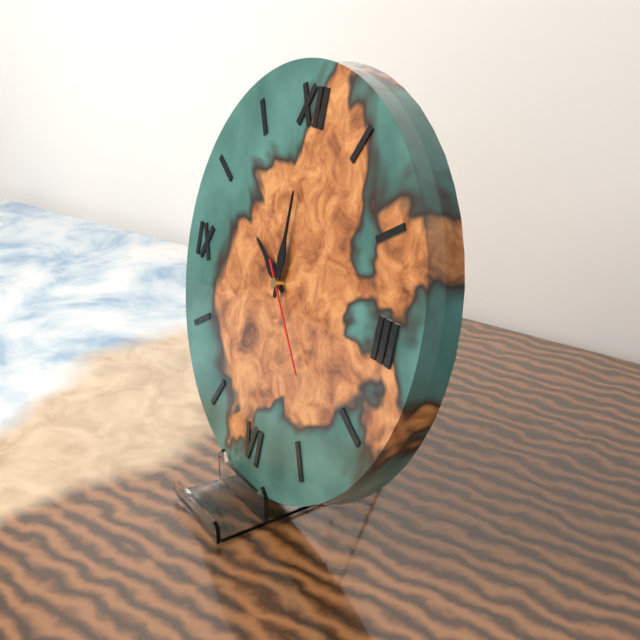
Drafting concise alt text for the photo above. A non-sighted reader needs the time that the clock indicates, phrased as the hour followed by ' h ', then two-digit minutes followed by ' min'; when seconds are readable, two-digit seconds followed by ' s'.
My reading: 10 h 00 min 23 s
